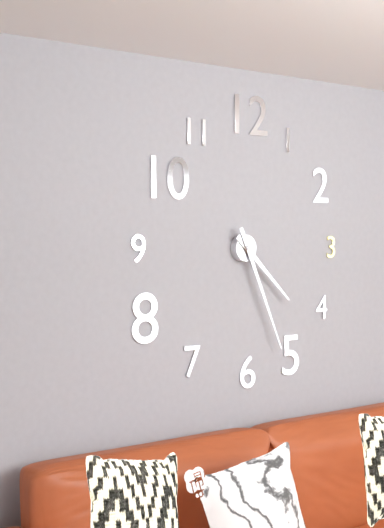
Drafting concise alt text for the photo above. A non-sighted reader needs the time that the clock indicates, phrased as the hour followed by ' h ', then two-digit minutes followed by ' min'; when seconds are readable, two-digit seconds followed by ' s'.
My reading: 4 h 26 min
